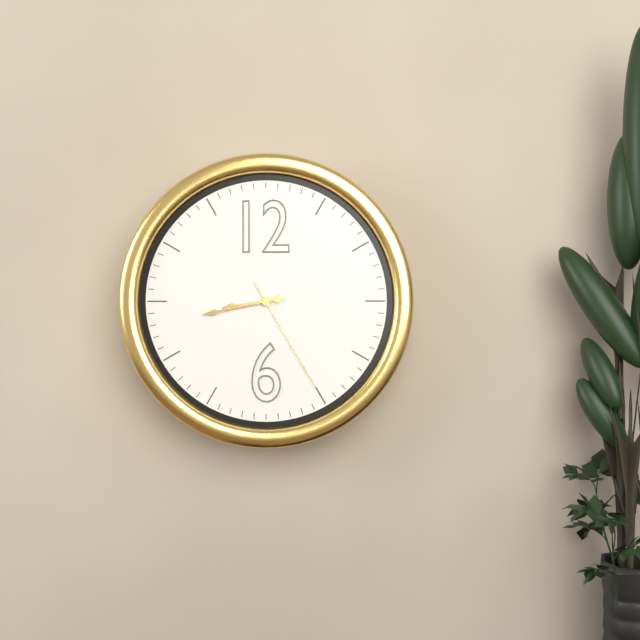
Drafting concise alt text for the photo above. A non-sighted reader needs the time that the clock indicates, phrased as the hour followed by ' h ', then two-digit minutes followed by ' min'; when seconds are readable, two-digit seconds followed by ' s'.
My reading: 8 h 43 min 25 s
